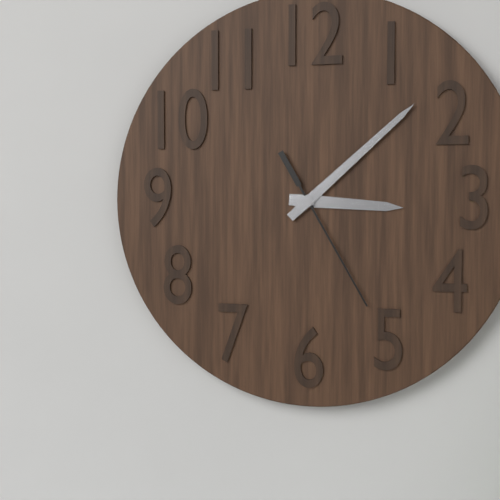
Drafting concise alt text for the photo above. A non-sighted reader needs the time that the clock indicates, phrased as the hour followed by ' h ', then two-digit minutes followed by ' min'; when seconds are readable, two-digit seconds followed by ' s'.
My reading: 3 h 08 min 25 s
